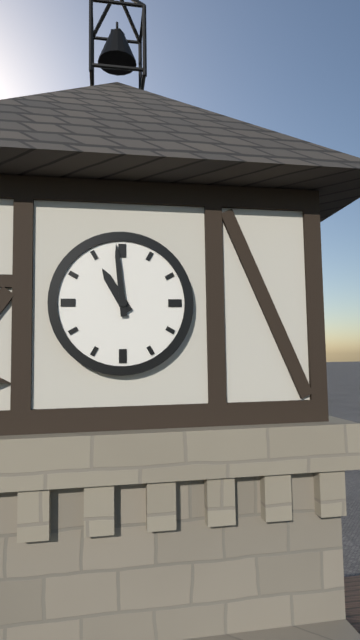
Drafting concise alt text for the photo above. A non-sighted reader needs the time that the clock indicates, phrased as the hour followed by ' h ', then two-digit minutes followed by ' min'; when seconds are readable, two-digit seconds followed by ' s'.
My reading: 10 h 59 min
